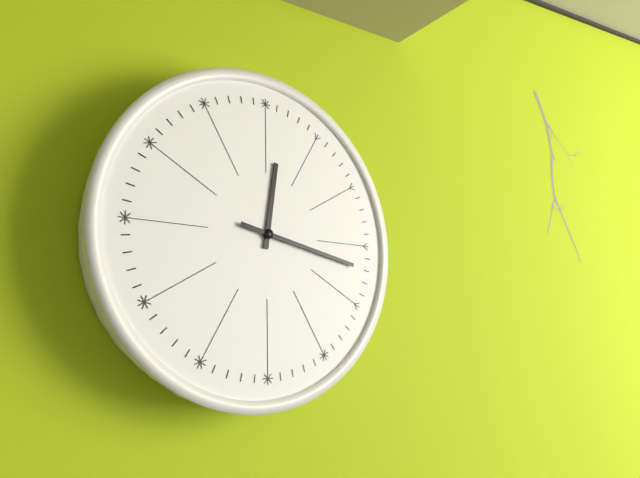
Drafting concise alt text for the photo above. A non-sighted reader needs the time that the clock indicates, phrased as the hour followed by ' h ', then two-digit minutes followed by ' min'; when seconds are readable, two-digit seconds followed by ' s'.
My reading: 12 h 17 min
